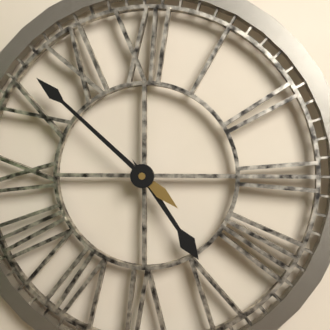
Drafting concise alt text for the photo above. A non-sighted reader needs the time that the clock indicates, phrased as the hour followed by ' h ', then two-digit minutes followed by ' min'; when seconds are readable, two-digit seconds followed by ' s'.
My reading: 4 h 52 min
